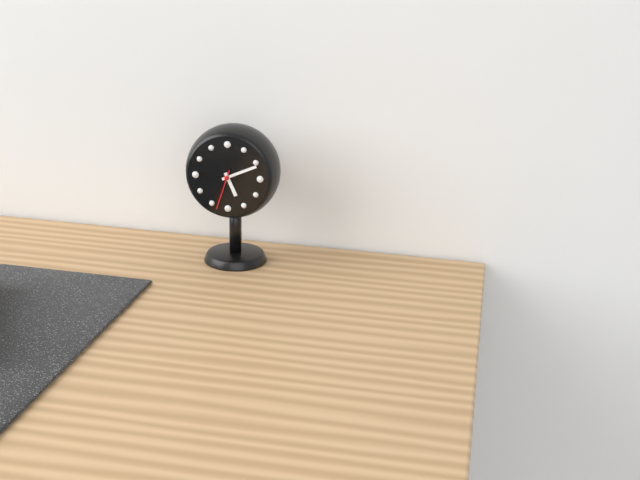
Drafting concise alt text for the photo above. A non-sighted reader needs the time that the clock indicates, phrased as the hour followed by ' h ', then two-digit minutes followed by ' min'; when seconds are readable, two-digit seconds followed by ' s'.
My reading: 5 h 11 min
